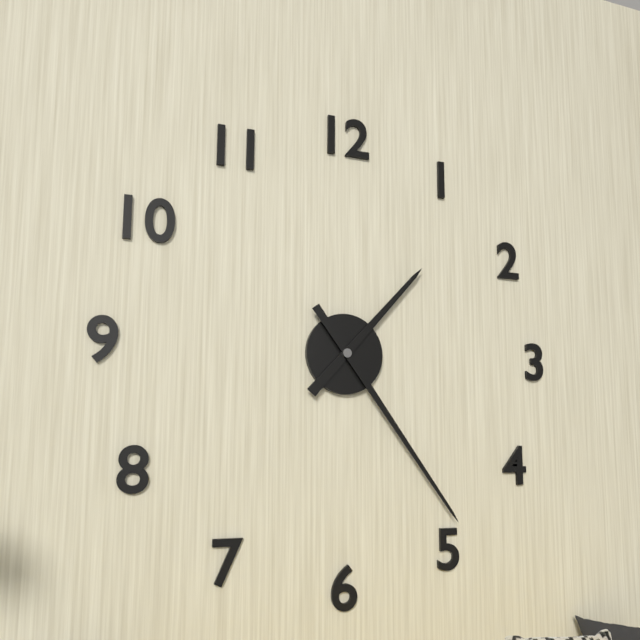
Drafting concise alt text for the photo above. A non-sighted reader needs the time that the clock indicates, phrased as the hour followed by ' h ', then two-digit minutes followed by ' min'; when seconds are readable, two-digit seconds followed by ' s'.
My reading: 1 h 24 min
